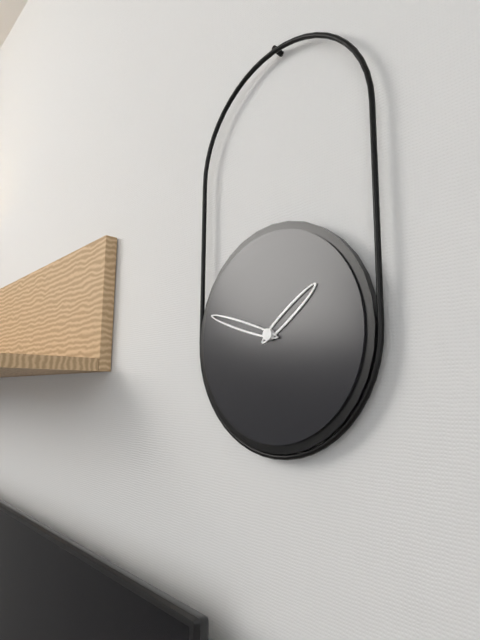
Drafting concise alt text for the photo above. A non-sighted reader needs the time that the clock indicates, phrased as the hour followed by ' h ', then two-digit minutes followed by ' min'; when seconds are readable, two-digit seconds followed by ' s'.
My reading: 1 h 48 min
